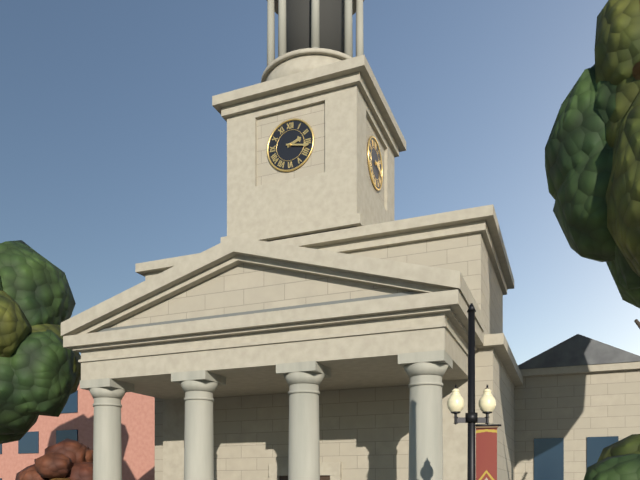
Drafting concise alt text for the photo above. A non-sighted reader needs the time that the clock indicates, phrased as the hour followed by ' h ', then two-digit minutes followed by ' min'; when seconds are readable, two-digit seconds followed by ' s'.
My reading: 2 h 17 min
